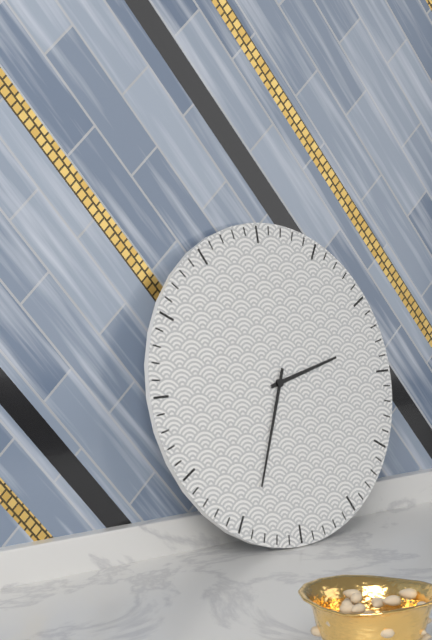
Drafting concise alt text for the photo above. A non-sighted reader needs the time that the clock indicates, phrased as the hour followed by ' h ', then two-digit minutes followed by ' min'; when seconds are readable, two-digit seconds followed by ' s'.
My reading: 2 h 34 min
